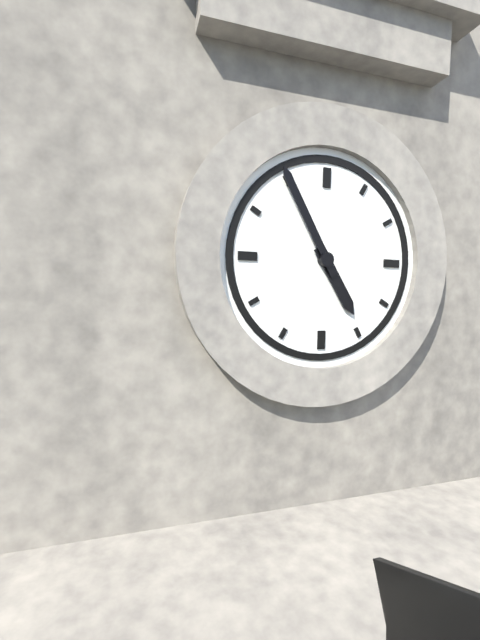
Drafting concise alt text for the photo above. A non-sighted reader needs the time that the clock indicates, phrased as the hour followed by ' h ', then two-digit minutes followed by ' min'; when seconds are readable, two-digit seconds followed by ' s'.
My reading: 4 h 55 min
